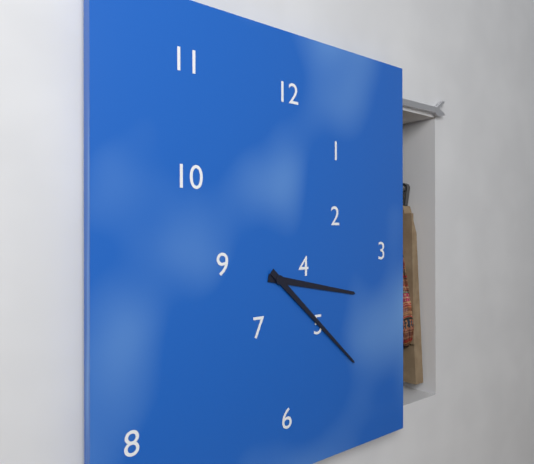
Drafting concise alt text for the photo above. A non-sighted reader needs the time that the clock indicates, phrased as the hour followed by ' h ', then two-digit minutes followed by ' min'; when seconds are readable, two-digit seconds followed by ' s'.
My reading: 3 h 22 min
